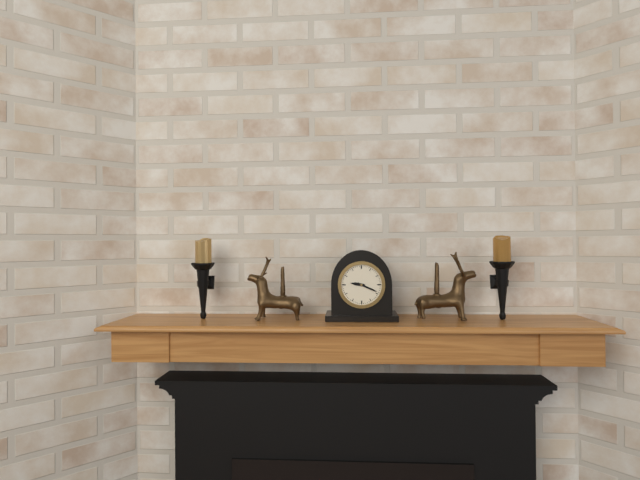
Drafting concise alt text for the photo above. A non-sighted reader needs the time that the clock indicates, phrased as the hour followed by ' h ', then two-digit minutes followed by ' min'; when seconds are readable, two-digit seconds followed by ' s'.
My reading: 9 h 19 min
